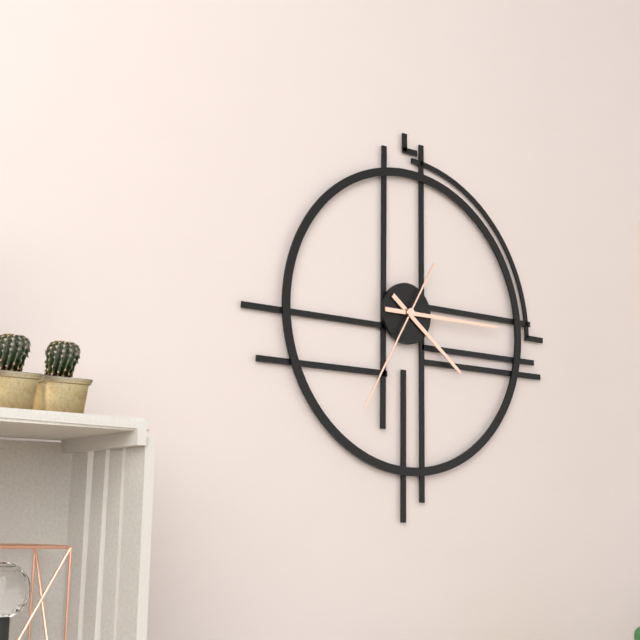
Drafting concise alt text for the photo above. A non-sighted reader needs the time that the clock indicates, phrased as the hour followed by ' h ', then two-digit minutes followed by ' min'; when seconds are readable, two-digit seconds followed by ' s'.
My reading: 4 h 15 min 35 s
